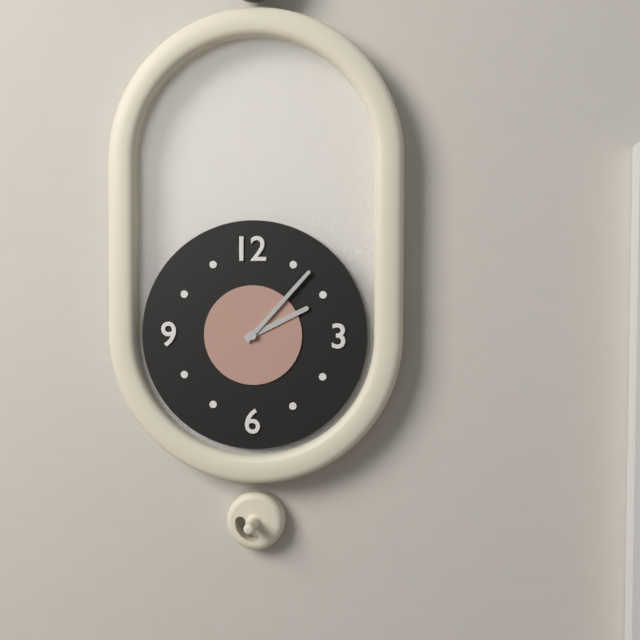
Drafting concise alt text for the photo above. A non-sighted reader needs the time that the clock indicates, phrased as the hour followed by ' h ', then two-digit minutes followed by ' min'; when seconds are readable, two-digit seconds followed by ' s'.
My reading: 2 h 07 min
